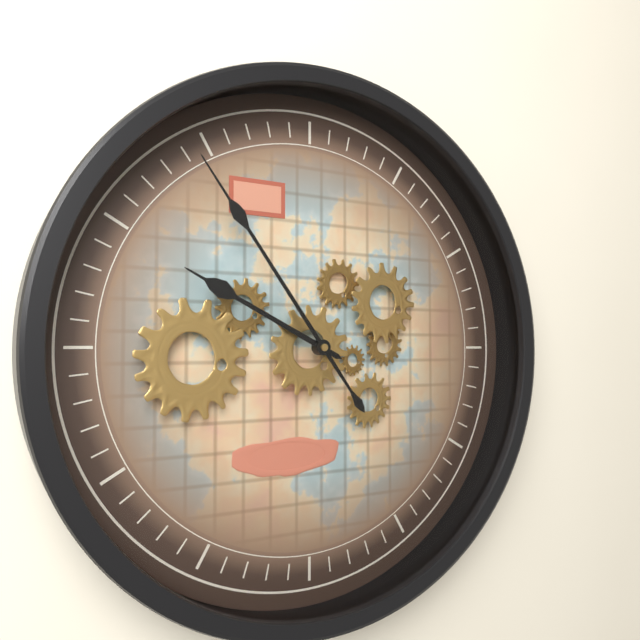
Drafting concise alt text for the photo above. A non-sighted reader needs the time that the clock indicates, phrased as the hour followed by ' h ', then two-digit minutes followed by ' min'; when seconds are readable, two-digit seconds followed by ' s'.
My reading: 9 h 54 min
